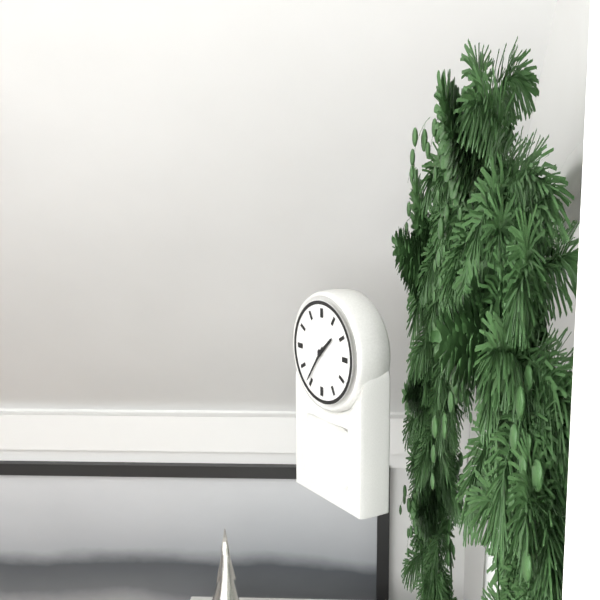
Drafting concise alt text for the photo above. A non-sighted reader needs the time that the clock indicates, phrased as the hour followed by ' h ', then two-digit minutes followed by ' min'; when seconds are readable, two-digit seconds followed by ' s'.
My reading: 1 h 36 min
